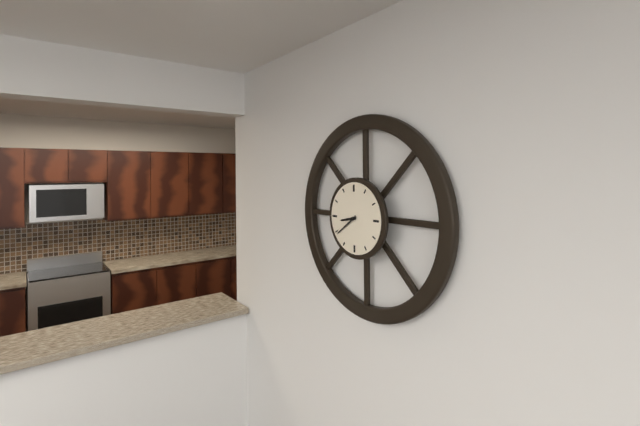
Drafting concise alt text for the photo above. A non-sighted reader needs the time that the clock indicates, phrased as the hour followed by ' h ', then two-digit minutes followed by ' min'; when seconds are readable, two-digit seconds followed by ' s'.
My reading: 8 h 39 min
